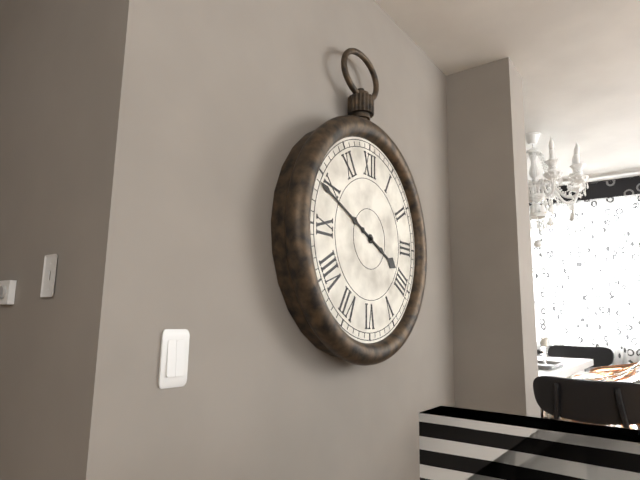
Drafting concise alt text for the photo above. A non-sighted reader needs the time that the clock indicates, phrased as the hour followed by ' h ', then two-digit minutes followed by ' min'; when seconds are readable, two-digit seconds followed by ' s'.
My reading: 3 h 49 min
